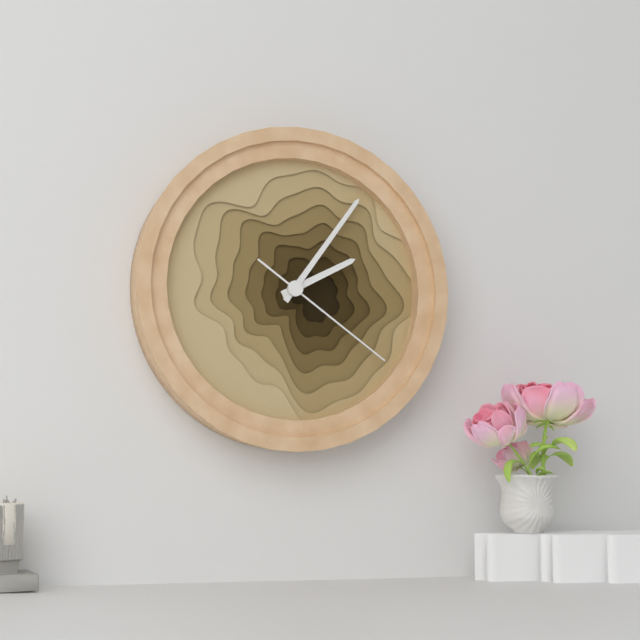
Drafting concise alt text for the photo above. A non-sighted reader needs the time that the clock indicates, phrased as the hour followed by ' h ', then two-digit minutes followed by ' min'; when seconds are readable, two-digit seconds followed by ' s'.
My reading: 2 h 06 min 21 s
